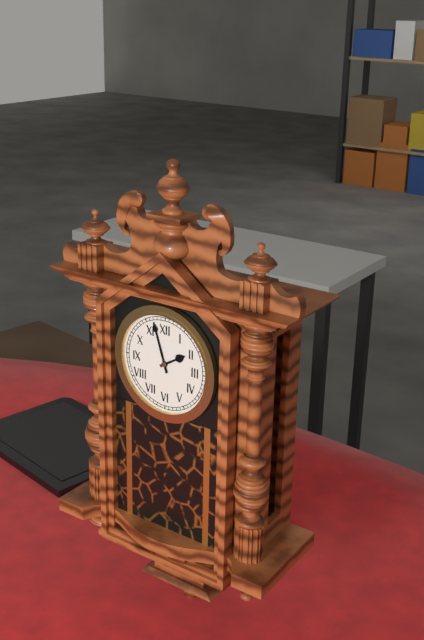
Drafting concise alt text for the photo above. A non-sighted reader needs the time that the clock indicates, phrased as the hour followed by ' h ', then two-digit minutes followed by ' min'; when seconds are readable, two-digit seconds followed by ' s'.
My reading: 1 h 57 min
